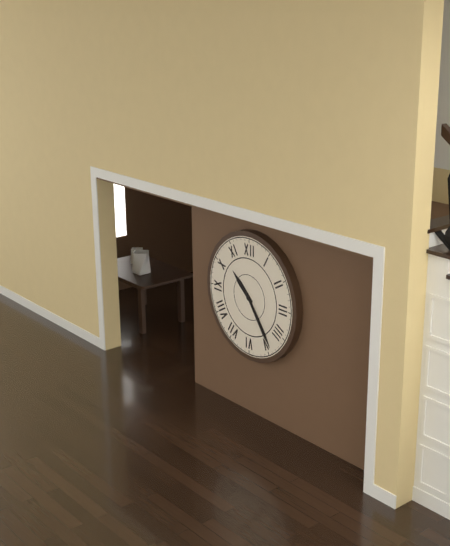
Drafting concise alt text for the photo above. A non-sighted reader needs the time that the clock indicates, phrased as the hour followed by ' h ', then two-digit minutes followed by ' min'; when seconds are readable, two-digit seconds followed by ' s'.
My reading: 10 h 24 min
